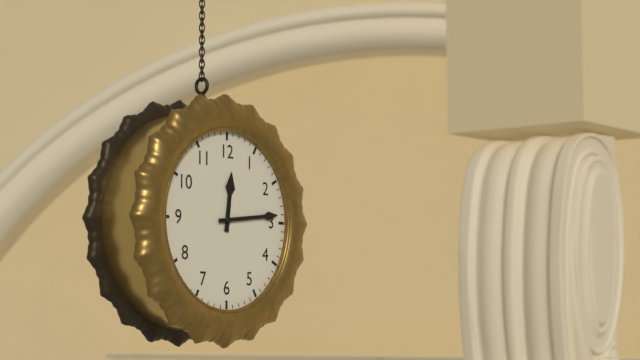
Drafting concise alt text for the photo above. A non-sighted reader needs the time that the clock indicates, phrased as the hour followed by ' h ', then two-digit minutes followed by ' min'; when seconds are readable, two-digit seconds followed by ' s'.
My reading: 12 h 14 min
